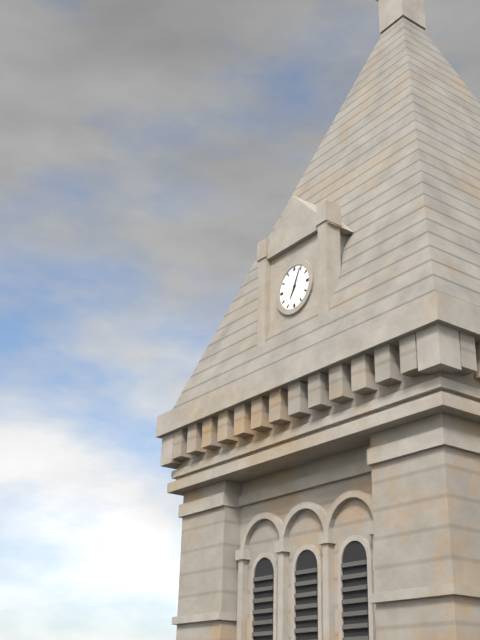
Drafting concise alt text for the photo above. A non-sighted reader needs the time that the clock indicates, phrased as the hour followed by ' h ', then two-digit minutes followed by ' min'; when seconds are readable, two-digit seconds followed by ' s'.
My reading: 7 h 04 min
